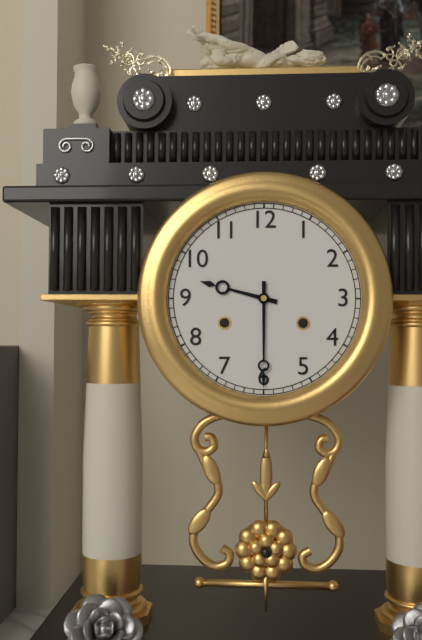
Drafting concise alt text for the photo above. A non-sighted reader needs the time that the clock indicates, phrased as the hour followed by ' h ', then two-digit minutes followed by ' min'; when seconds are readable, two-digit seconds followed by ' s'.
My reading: 9 h 30 min
